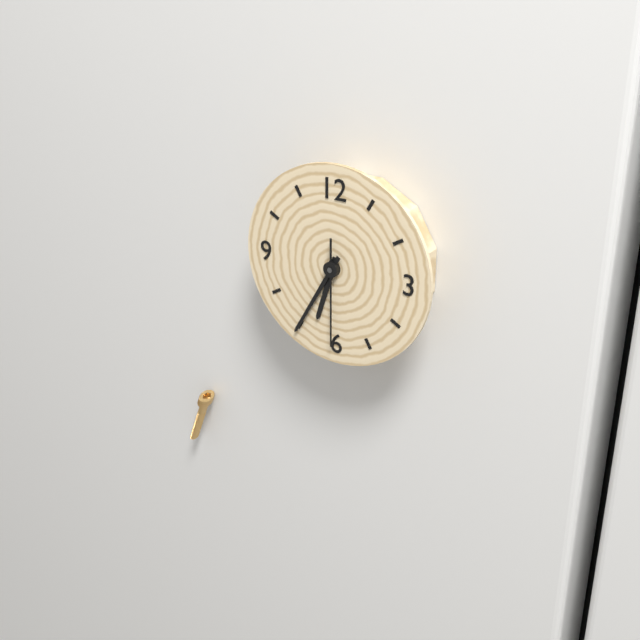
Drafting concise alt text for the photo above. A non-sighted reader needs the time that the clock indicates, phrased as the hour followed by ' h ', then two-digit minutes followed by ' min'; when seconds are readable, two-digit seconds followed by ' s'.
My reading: 6 h 35 min 30 s
